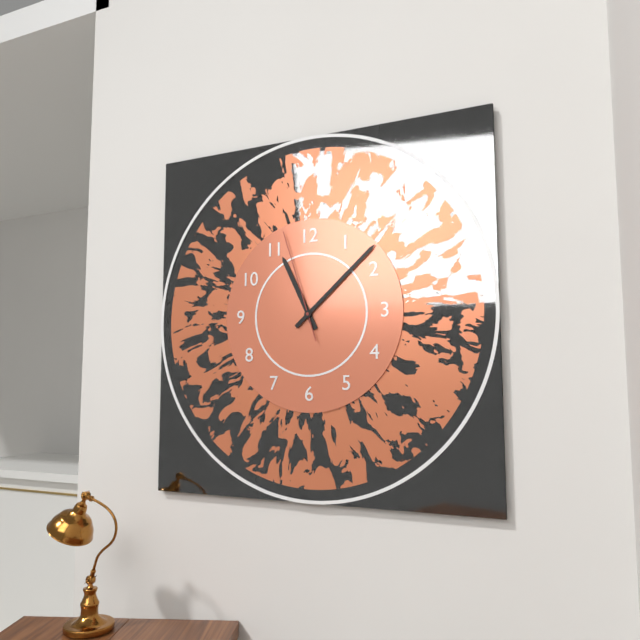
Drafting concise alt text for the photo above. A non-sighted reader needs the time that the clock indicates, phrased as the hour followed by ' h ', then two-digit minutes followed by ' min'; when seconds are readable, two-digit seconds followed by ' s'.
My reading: 11 h 08 min 57 s
